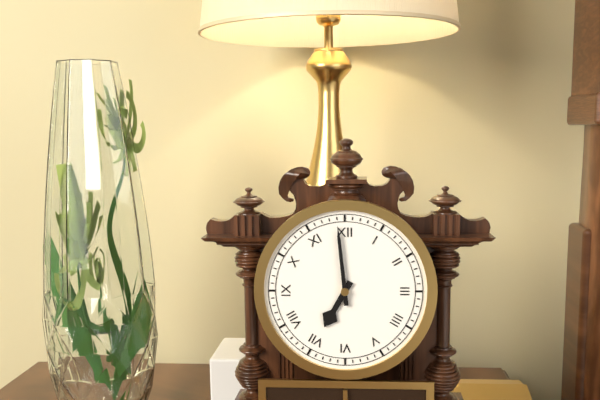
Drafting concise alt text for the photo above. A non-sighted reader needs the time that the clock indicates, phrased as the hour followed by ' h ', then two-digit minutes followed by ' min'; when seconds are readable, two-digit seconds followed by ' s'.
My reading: 6 h 59 min
